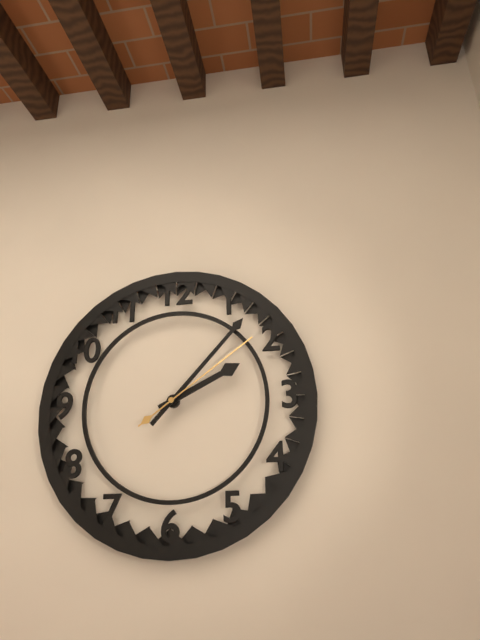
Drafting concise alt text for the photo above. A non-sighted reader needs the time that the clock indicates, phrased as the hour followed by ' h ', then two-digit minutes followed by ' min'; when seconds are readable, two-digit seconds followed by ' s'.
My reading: 2 h 07 min 09 s
